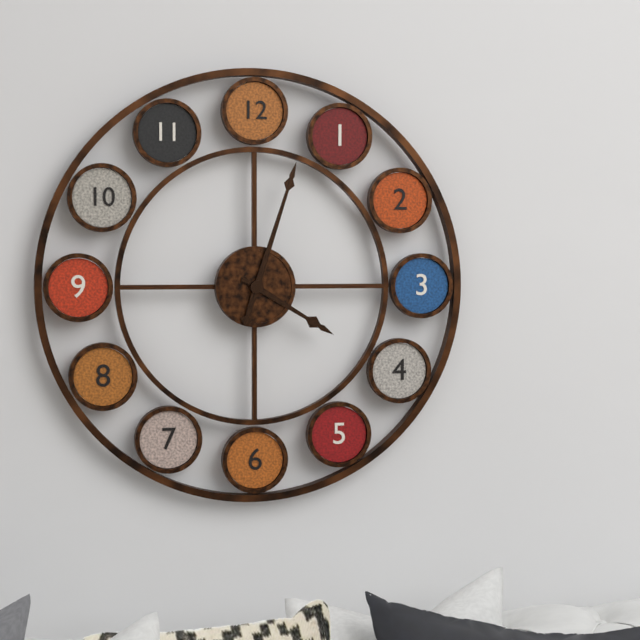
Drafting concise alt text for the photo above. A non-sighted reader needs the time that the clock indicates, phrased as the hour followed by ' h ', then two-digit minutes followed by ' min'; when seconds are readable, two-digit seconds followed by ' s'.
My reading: 4 h 03 min
